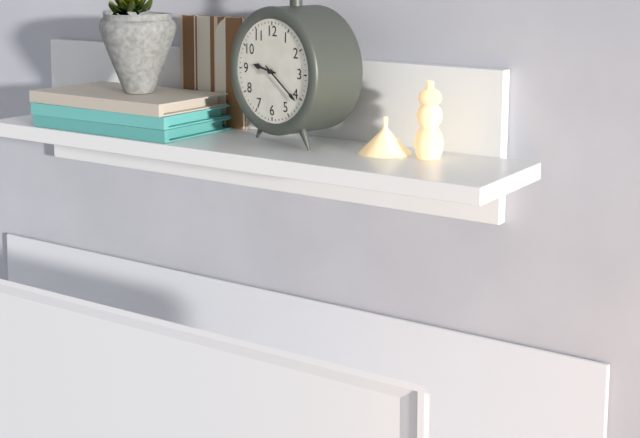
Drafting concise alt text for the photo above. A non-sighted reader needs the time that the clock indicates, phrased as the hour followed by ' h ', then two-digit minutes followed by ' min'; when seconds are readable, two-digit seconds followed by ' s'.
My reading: 9 h 21 min
